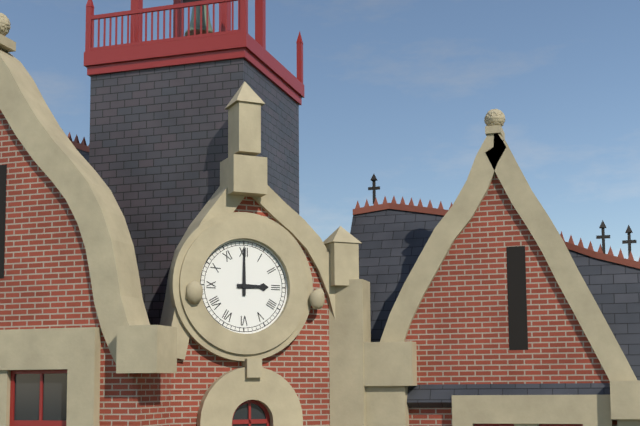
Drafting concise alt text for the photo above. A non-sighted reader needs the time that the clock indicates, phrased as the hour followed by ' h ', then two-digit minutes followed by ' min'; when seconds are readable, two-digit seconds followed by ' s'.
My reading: 3 h 00 min
